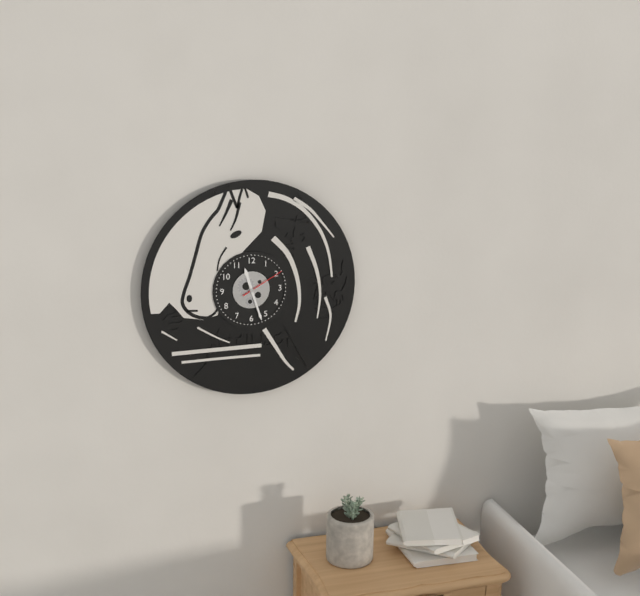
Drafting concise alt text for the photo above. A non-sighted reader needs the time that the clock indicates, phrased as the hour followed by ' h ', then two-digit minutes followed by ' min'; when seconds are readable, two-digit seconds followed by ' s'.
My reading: 11 h 27 min
